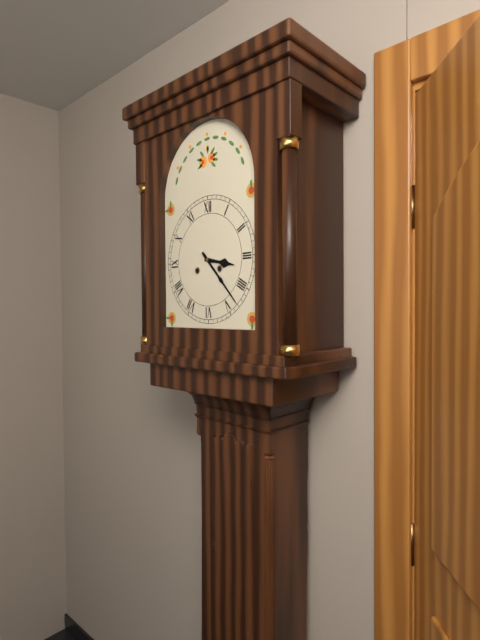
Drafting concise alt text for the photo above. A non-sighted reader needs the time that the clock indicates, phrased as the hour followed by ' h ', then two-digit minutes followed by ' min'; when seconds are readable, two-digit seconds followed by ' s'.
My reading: 3 h 23 min
